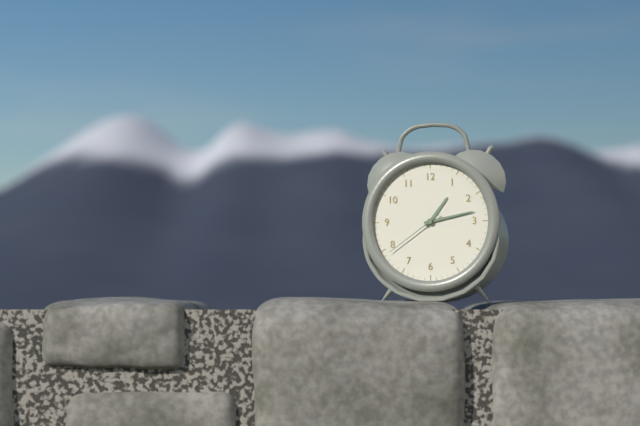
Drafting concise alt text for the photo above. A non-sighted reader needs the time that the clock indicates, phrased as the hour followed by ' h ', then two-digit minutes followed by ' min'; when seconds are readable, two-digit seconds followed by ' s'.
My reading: 1 h 13 min 39 s
